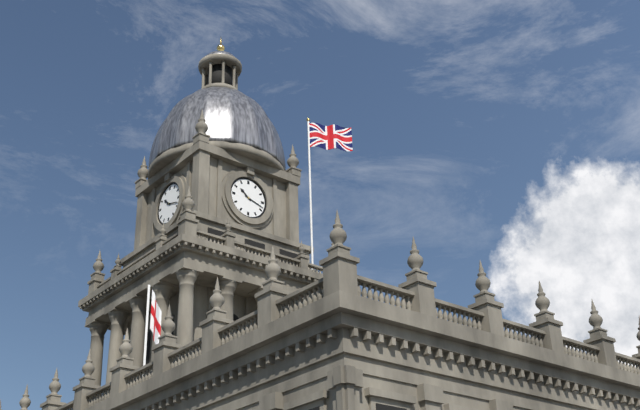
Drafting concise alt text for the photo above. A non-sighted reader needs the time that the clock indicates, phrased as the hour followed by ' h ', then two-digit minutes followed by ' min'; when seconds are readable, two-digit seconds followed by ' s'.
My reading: 10 h 18 min
